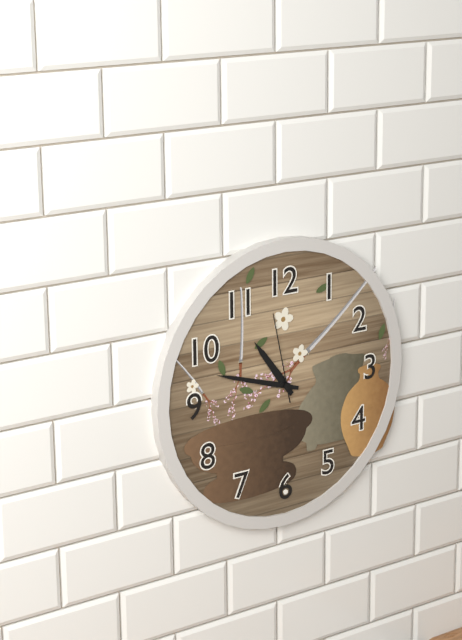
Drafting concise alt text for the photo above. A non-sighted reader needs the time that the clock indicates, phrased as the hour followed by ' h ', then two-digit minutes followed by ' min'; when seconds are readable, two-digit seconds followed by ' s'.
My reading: 10 h 48 min 58 s
